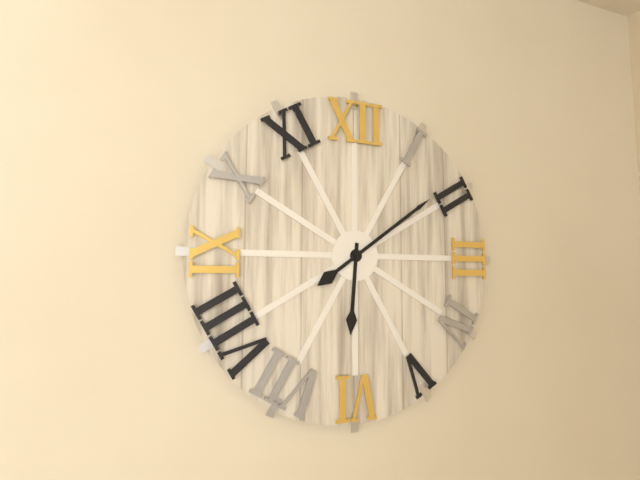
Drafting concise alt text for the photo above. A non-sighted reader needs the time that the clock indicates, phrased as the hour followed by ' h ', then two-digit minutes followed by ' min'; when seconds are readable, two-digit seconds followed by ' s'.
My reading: 6 h 09 min
